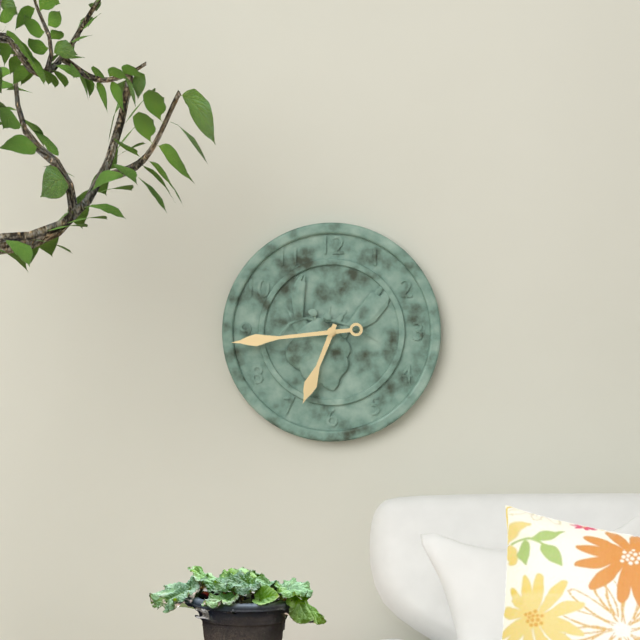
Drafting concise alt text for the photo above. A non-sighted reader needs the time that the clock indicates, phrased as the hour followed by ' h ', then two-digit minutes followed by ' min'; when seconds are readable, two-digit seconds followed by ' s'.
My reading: 6 h 44 min
